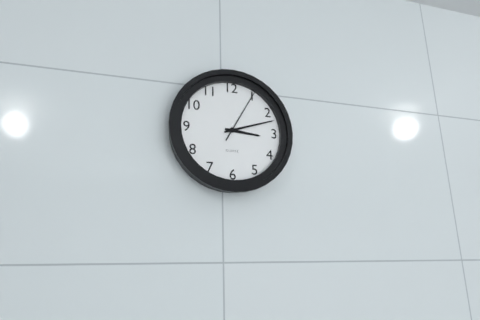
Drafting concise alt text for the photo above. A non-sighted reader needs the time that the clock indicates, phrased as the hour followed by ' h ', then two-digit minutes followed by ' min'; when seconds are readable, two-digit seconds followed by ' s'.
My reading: 3 h 12 min 05 s
